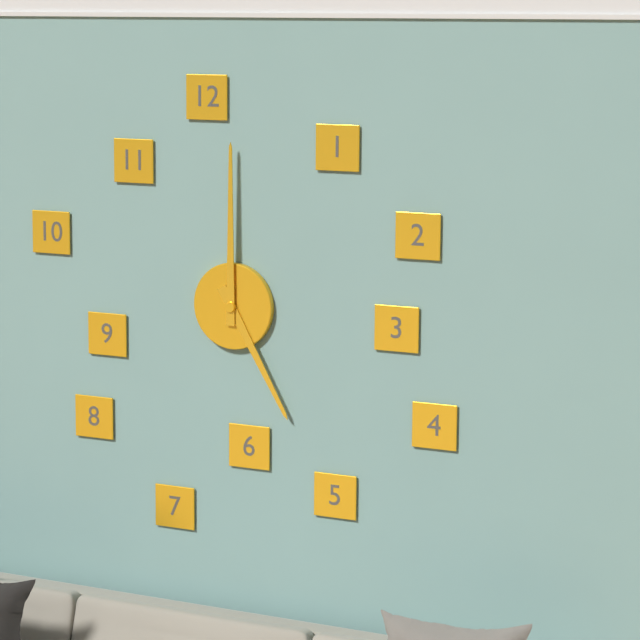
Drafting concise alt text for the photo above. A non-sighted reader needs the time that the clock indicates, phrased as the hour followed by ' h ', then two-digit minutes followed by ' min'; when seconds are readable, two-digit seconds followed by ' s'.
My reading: 5 h 00 min
